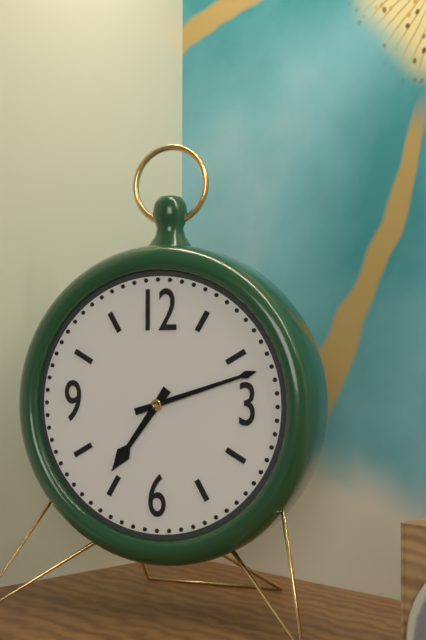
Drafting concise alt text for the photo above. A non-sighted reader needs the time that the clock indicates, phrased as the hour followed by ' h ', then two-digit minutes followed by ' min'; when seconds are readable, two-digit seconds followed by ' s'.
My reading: 7 h 12 min
